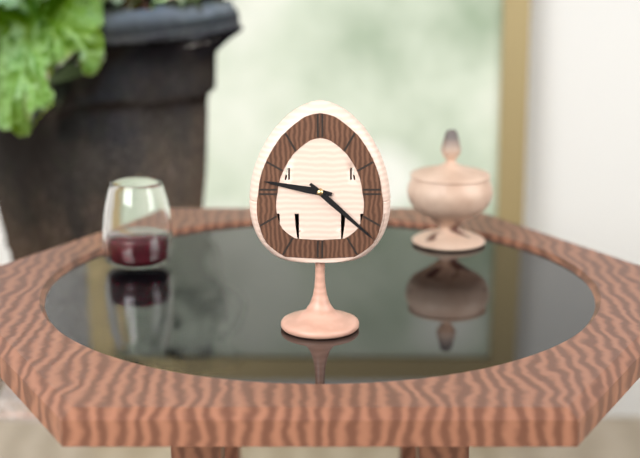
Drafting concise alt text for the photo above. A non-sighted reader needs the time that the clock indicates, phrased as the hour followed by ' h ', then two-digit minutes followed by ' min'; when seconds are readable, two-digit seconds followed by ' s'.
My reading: 9 h 22 min
